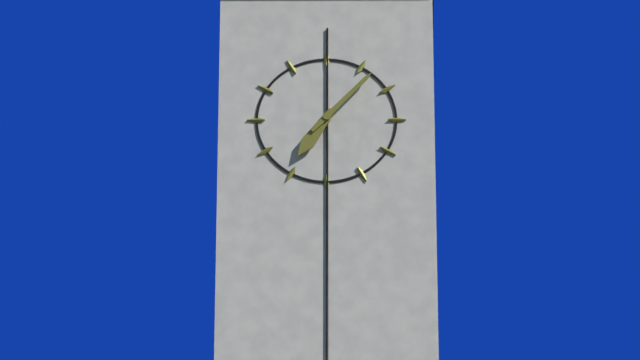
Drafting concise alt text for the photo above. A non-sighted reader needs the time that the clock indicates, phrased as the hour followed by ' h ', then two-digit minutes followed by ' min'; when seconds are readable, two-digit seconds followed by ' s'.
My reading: 7 h 07 min
